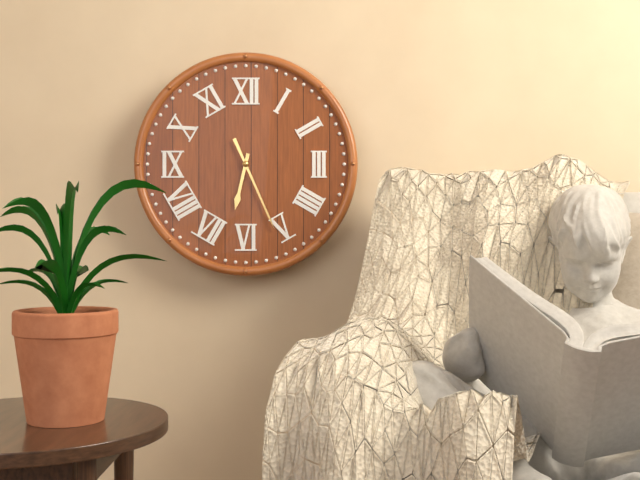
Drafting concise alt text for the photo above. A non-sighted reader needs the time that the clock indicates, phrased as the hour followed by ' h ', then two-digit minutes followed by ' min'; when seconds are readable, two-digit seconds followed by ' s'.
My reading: 6 h 26 min
